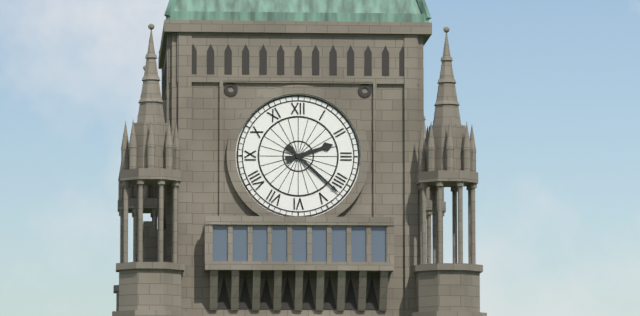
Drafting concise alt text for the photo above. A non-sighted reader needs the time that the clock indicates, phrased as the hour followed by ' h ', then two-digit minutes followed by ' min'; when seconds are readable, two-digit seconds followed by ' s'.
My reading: 2 h 22 min
